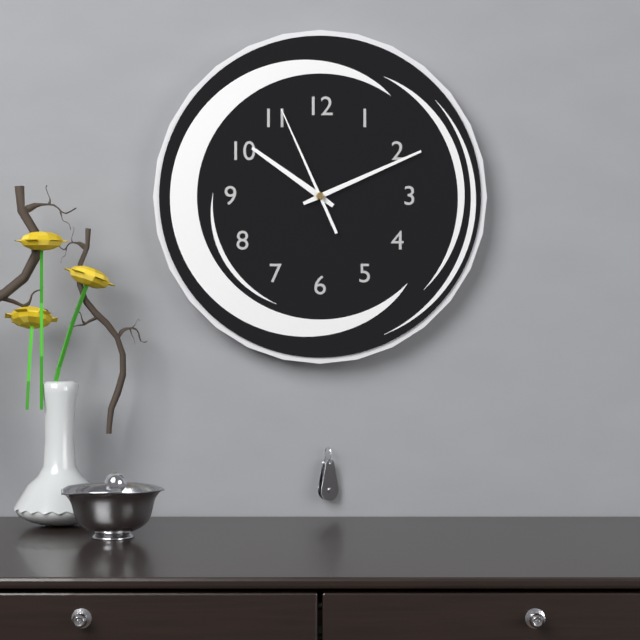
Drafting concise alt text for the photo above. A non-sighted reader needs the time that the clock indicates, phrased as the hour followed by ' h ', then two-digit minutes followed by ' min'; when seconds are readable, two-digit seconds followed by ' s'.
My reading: 10 h 11 min 56 s
